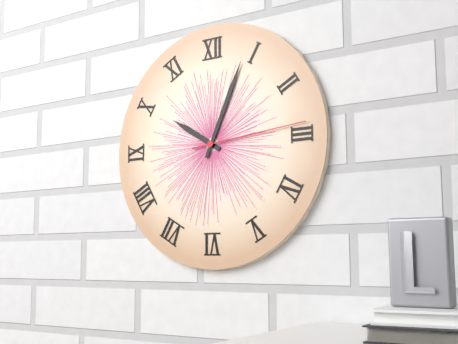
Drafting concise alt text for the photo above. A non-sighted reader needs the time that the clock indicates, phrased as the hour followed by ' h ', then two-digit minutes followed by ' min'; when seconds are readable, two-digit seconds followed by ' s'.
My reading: 10 h 04 min 14 s
